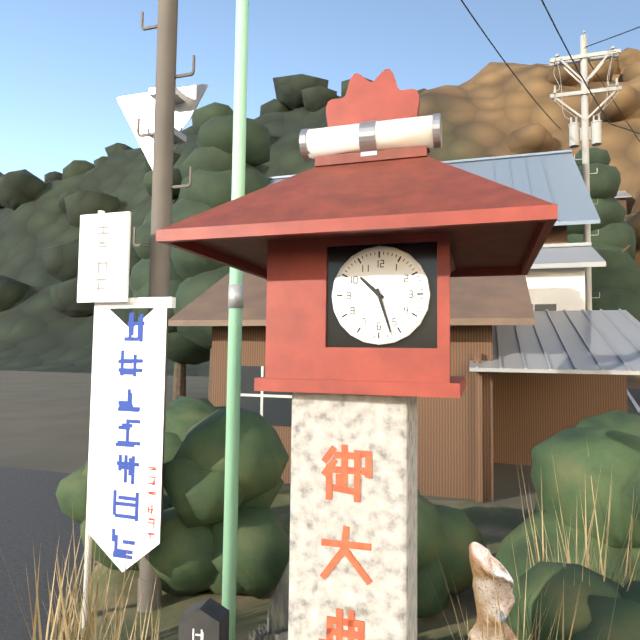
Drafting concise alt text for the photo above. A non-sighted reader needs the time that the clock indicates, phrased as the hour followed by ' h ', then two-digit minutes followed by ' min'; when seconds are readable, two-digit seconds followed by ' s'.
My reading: 10 h 27 min
